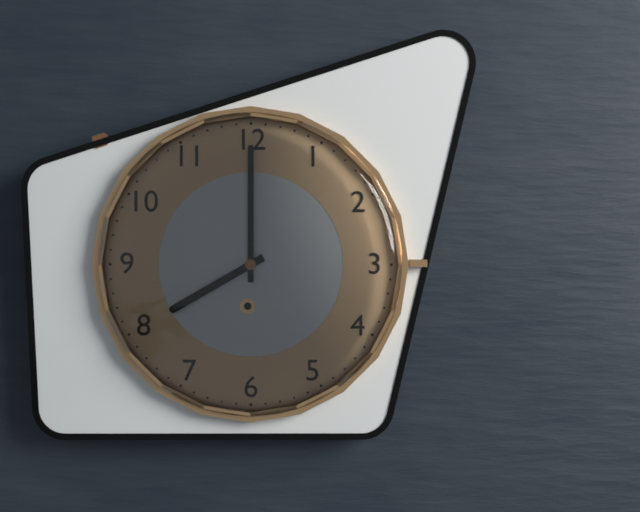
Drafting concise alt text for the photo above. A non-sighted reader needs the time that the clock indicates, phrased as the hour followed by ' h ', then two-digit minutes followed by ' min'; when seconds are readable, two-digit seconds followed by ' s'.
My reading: 8 h 00 min
